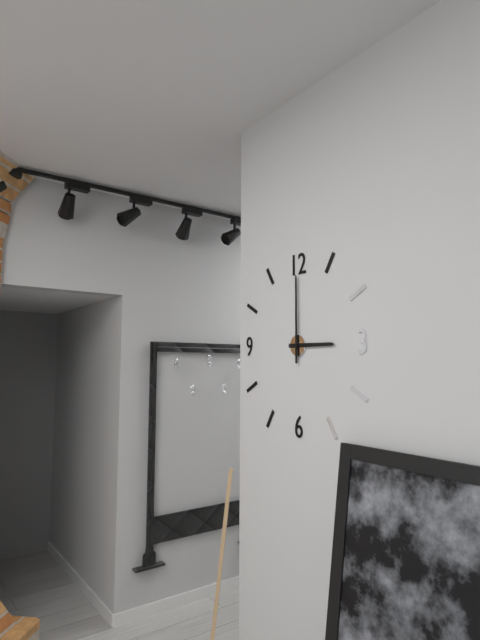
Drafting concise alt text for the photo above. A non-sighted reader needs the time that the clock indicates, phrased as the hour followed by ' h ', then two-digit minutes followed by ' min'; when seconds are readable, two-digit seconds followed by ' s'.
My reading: 3 h 00 min
